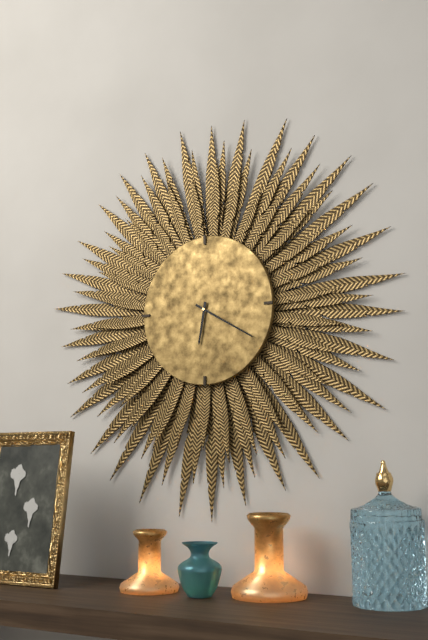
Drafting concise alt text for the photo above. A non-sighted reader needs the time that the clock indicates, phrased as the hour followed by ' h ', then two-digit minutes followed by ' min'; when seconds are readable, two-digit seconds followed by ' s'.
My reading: 6 h 20 min
